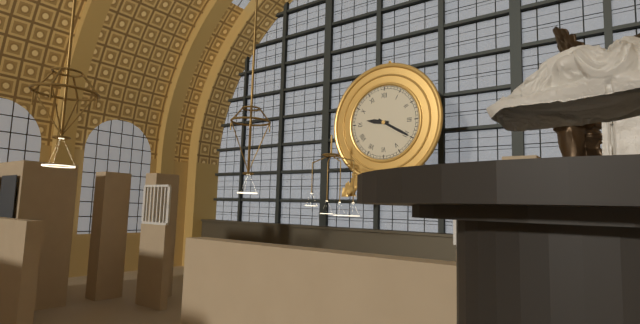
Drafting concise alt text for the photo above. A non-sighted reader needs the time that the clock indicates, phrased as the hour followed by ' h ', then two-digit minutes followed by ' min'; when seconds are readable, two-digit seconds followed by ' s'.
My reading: 9 h 20 min
